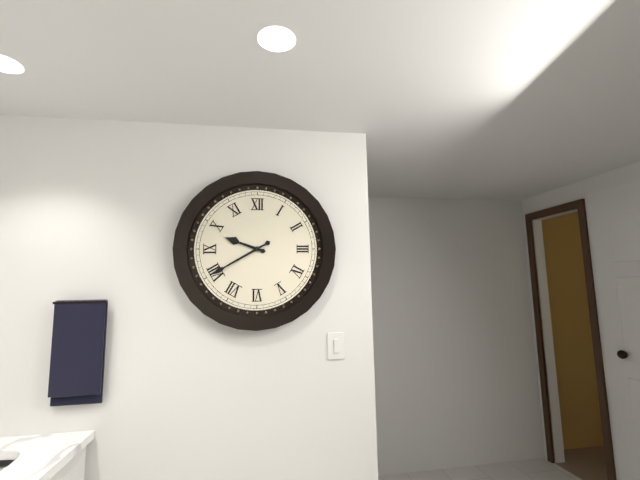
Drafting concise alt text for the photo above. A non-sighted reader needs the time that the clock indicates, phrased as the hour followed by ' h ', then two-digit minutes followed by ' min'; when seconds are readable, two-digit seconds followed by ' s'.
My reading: 9 h 40 min
